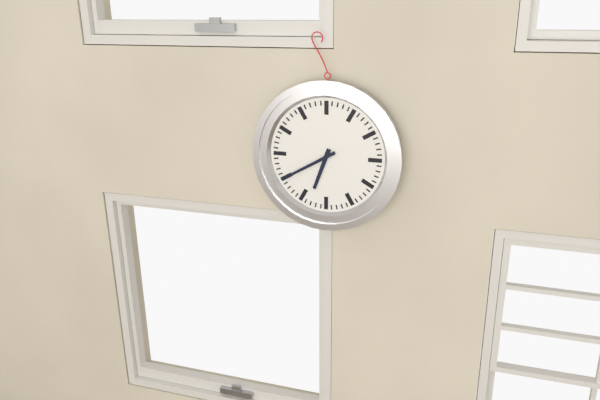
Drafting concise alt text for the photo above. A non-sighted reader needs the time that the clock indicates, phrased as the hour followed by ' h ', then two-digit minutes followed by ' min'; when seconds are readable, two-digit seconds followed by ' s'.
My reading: 6 h 40 min
